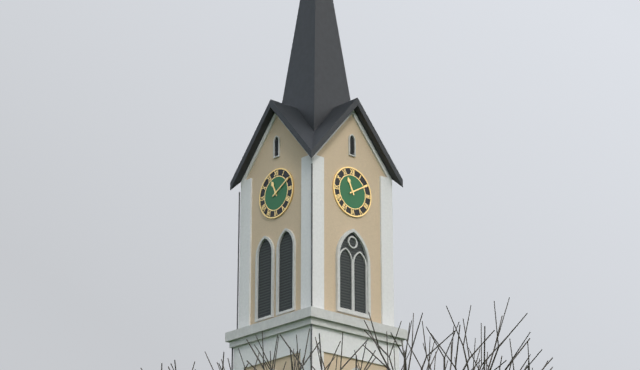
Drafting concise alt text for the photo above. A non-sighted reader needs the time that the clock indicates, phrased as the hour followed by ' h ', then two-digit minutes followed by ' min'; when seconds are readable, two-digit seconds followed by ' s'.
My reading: 11 h 10 min
